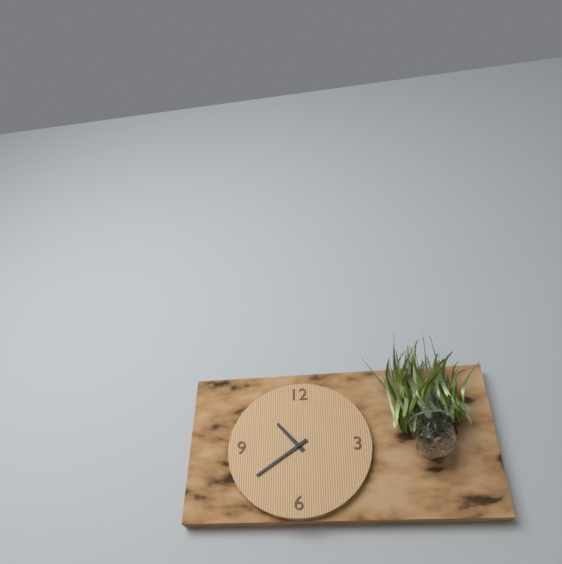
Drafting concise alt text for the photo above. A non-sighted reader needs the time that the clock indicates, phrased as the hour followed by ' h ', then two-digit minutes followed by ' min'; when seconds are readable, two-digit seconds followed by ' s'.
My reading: 10 h 39 min
